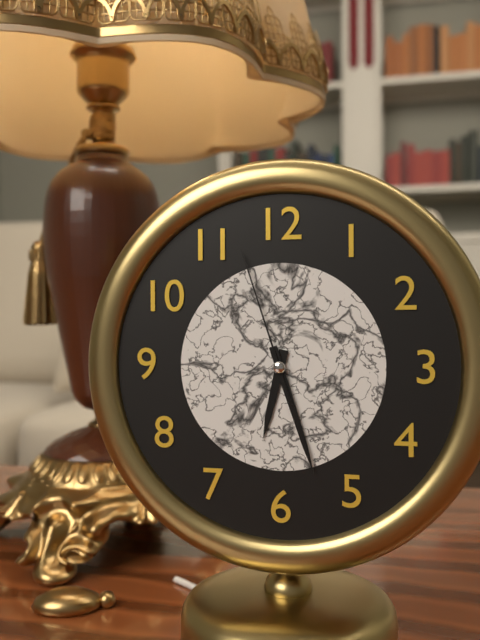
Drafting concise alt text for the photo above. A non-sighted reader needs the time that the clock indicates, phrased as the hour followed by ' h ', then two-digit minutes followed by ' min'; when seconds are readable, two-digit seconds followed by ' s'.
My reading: 6 h 27 min 57 s
